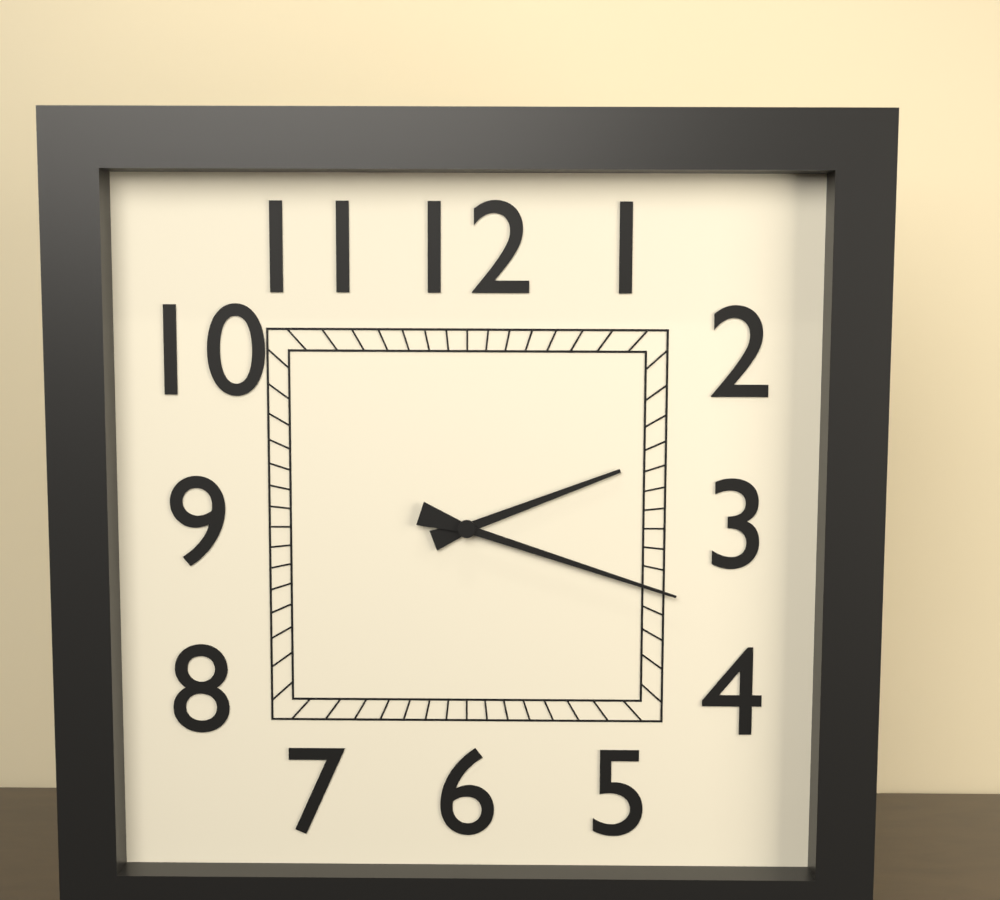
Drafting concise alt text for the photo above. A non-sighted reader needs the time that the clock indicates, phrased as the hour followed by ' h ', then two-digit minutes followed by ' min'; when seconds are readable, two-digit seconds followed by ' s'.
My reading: 2 h 18 min
